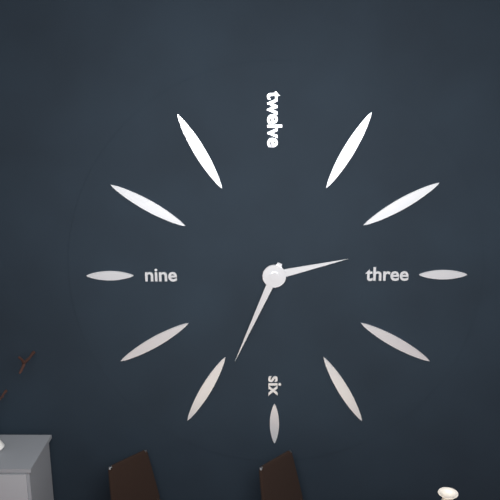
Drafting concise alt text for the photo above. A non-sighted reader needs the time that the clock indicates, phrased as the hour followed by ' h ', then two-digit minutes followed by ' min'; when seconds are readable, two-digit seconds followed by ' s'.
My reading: 2 h 34 min
